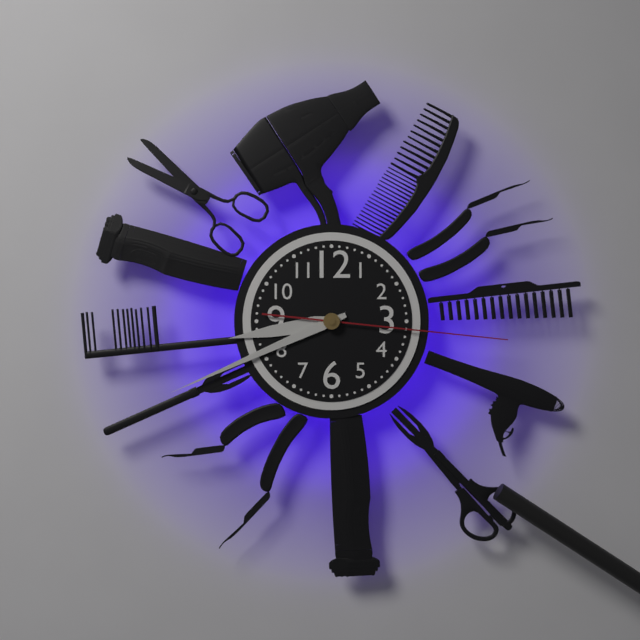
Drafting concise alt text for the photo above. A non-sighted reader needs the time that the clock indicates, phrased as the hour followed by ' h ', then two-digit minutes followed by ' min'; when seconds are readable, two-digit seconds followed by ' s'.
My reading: 8 h 41 min 16 s
